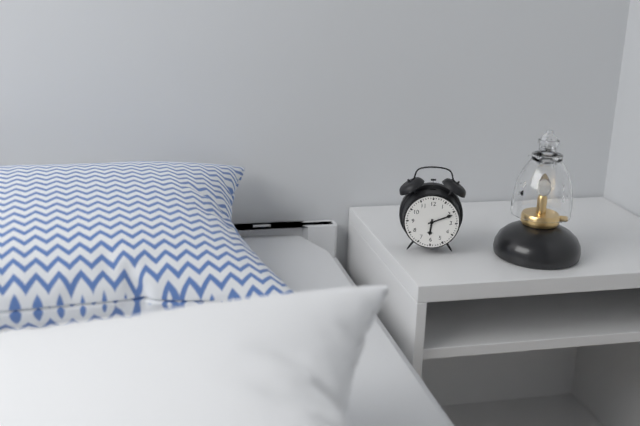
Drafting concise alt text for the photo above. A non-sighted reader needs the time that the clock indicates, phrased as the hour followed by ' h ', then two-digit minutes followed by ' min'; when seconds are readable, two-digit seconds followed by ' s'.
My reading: 6 h 11 min
